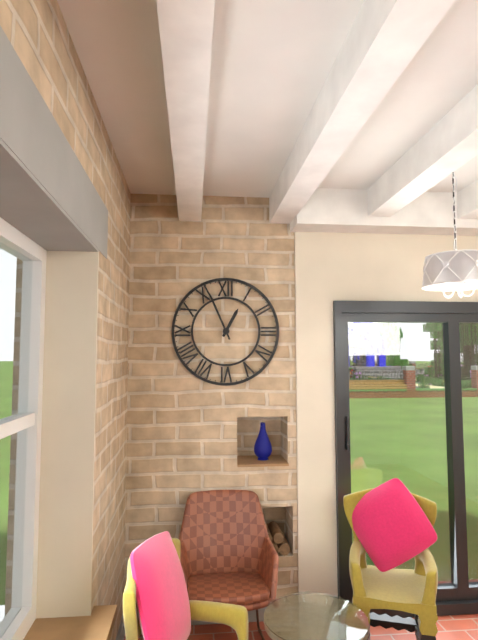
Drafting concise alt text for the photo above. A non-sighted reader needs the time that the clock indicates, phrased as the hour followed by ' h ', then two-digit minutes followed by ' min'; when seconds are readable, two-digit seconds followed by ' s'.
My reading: 12 h 56 min
